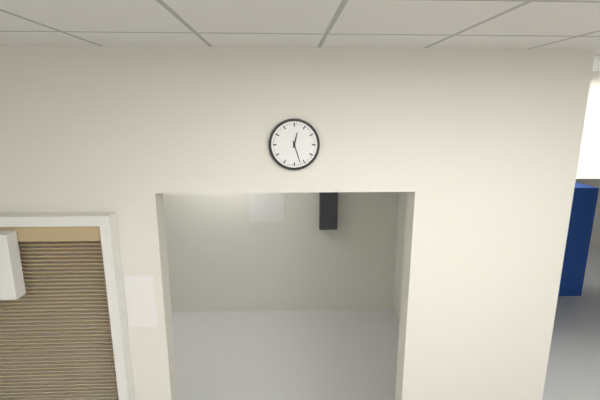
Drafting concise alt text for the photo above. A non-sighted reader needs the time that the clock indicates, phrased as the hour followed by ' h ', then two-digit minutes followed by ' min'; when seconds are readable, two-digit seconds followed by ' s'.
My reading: 12 h 27 min
